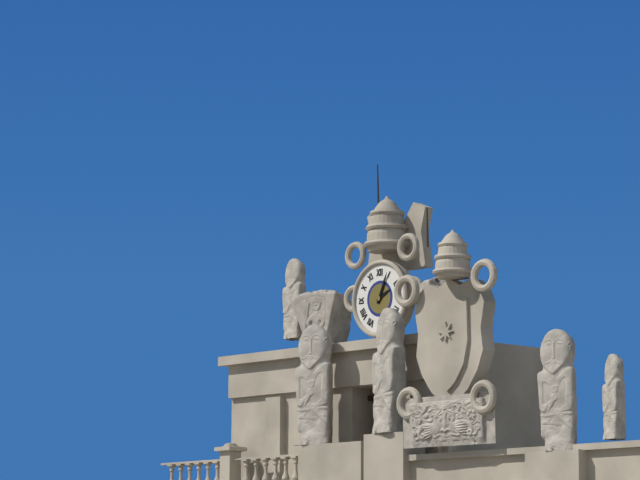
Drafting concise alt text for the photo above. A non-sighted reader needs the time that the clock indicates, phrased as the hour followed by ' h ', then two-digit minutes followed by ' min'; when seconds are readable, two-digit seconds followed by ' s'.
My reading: 2 h 04 min
